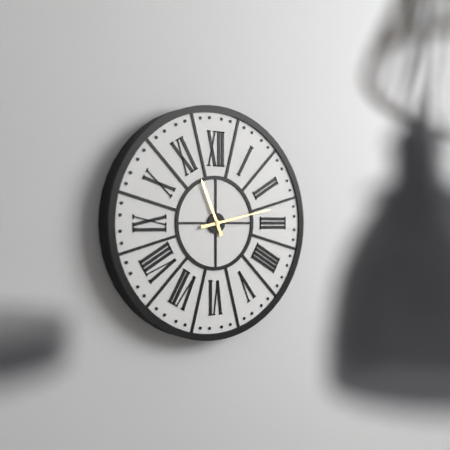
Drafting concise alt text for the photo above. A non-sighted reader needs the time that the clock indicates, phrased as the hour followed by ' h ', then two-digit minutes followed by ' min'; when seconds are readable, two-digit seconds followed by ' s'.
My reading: 11 h 13 min
